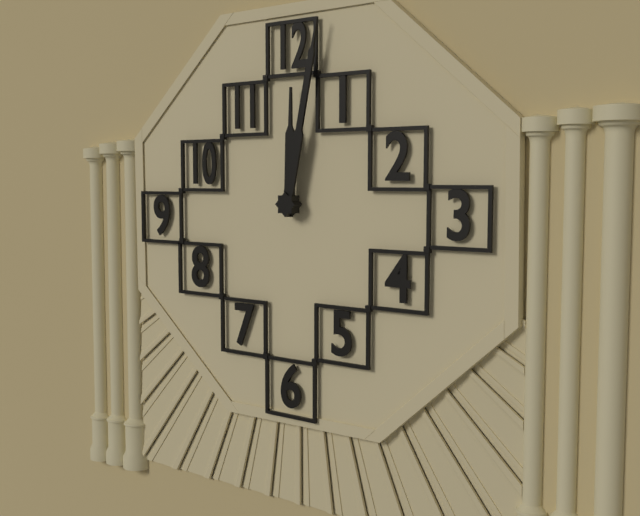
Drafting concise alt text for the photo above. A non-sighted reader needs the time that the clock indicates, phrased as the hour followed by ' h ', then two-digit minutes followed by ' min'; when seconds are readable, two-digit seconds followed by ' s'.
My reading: 12 h 02 min
